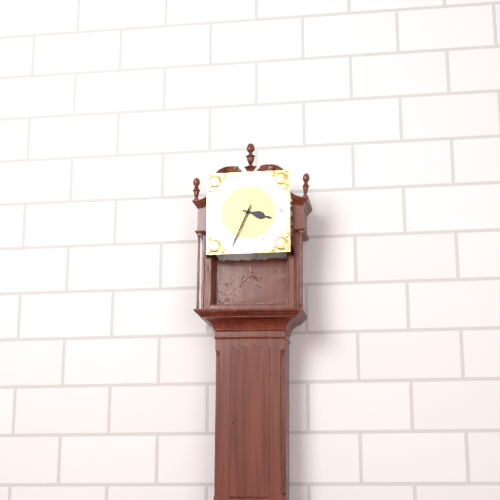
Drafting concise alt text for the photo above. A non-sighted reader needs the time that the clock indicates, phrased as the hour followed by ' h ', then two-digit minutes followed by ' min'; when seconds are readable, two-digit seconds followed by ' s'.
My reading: 3 h 34 min
